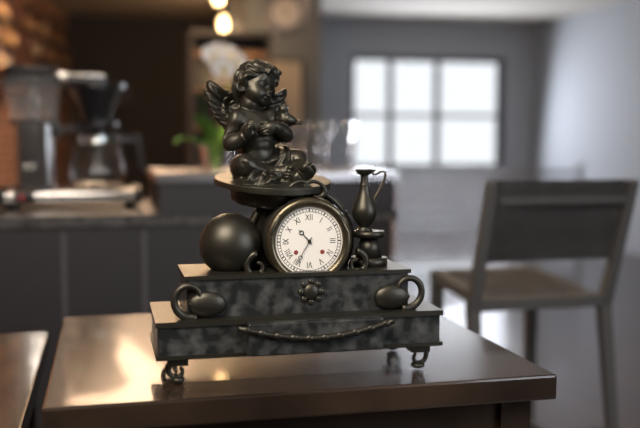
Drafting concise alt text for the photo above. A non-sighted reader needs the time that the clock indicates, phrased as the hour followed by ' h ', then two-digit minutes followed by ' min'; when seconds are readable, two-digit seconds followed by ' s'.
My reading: 10 h 35 min
